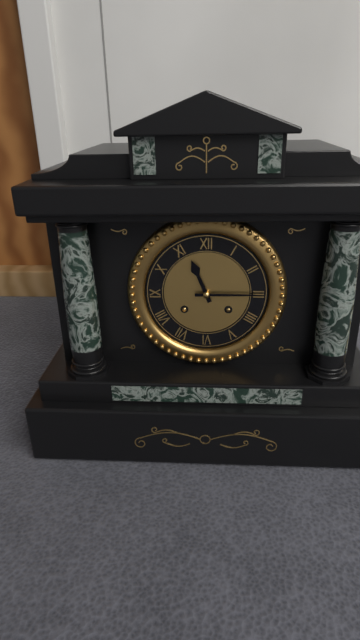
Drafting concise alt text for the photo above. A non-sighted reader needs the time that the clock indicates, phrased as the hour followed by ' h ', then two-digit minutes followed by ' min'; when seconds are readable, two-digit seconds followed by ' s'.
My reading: 11 h 15 min
